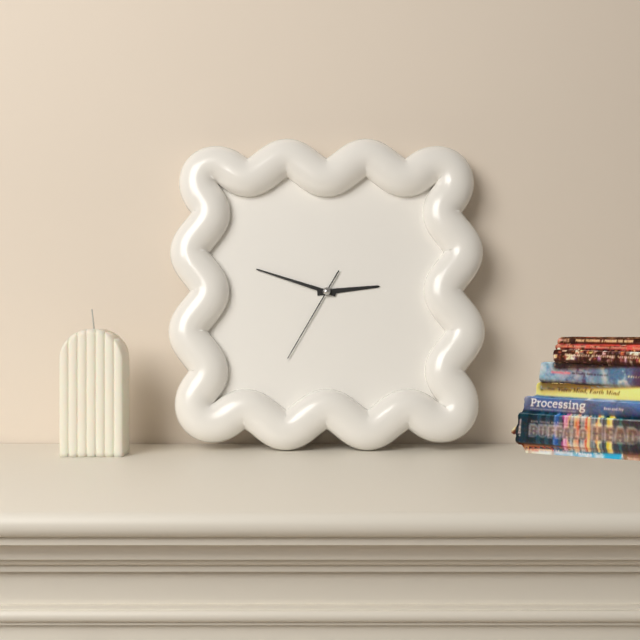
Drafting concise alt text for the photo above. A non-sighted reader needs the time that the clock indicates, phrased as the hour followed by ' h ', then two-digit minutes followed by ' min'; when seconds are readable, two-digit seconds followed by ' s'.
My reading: 2 h 48 min 35 s
